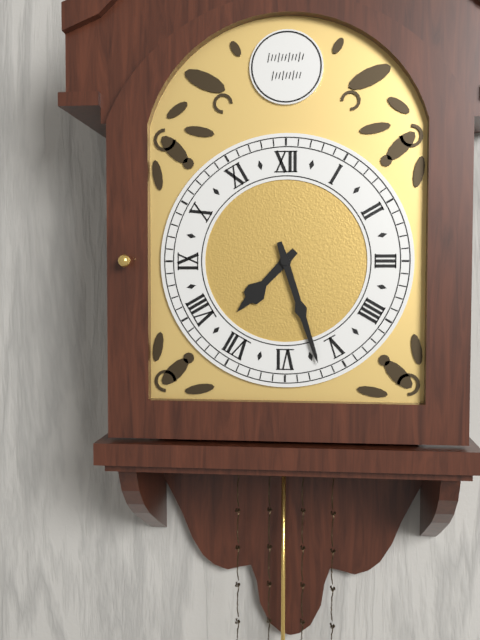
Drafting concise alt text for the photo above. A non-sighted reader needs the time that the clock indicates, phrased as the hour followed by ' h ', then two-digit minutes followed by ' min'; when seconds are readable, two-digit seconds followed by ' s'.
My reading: 7 h 27 min
